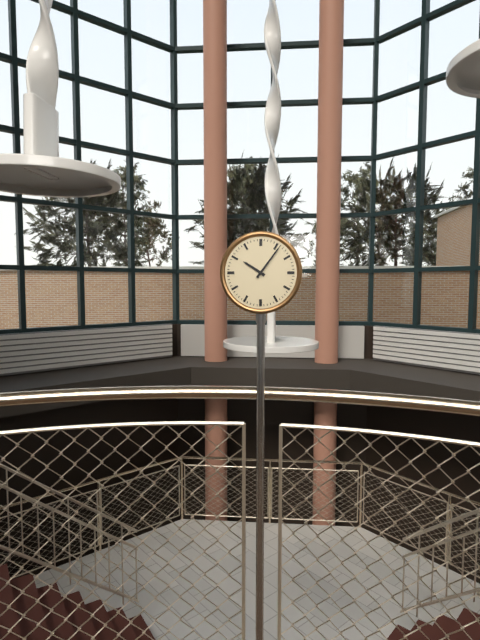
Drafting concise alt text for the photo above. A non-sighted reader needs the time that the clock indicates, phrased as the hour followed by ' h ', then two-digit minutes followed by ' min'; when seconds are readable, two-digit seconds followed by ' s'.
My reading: 10 h 06 min
